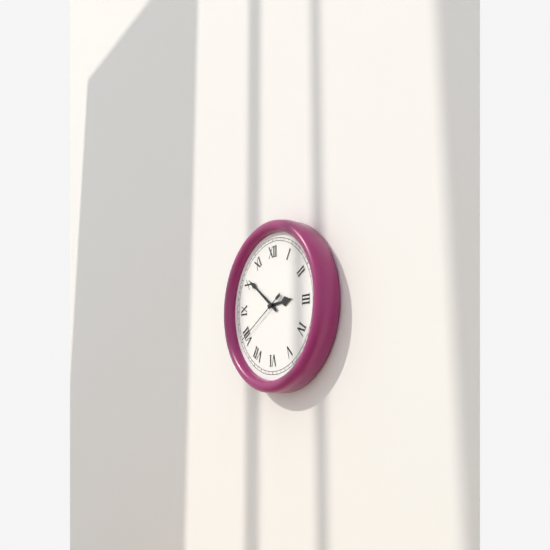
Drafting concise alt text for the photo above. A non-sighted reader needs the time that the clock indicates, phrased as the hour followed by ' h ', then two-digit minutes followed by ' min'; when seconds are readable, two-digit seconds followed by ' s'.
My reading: 2 h 51 min 40 s
